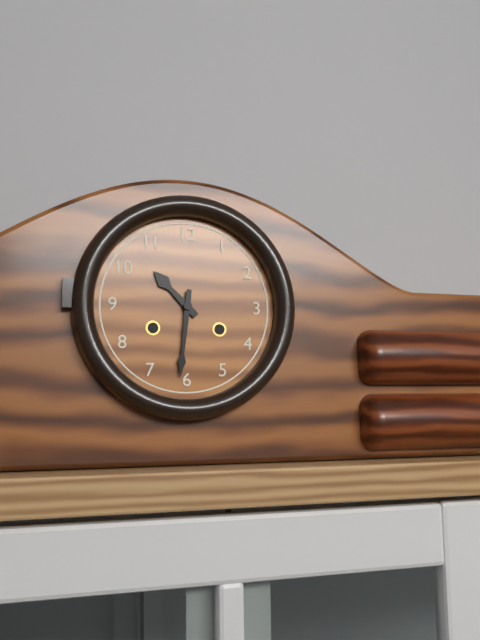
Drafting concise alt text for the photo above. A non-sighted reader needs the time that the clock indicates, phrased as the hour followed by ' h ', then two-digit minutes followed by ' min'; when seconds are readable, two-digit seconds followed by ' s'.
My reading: 10 h 31 min
